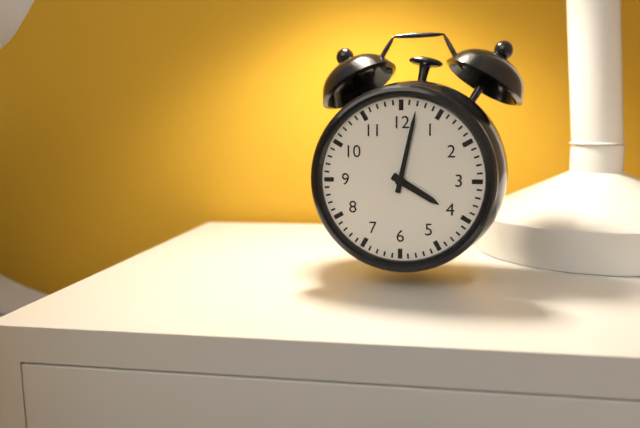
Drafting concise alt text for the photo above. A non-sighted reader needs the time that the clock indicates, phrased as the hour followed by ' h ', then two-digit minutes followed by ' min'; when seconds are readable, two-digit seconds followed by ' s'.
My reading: 4 h 02 min
